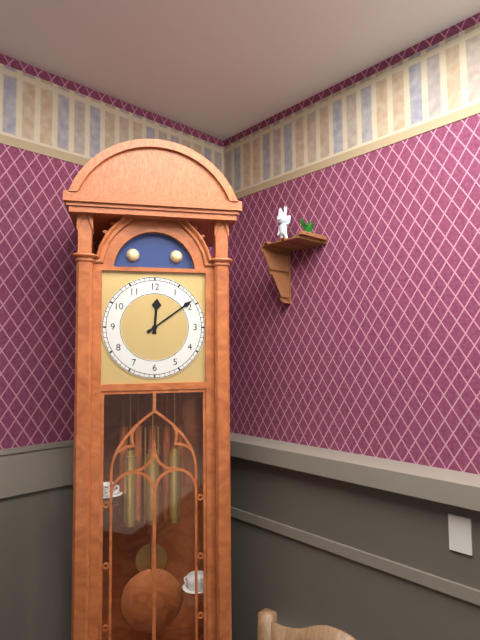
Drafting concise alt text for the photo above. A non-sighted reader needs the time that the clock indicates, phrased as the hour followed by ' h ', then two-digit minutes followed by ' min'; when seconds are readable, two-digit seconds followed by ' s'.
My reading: 12 h 09 min
